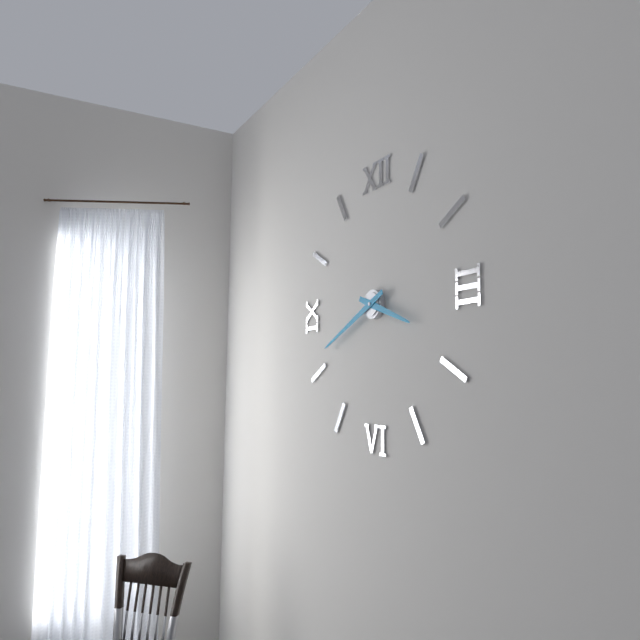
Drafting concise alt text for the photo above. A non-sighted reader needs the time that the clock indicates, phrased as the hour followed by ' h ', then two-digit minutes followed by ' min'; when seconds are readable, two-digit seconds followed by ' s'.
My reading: 3 h 41 min
